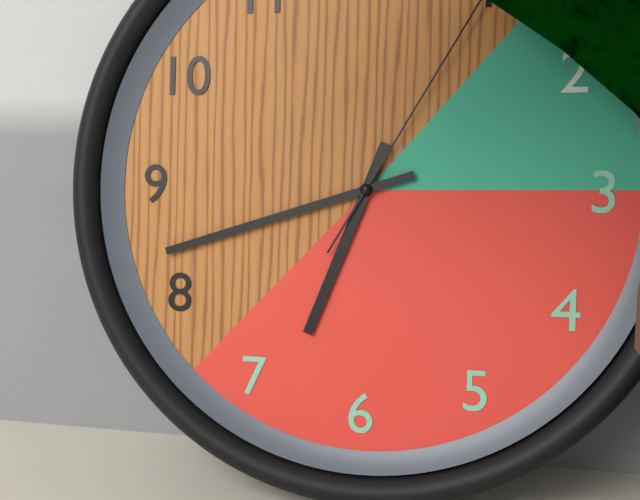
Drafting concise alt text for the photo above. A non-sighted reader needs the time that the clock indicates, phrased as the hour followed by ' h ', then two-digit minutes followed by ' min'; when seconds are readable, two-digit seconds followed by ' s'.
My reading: 6 h 42 min
